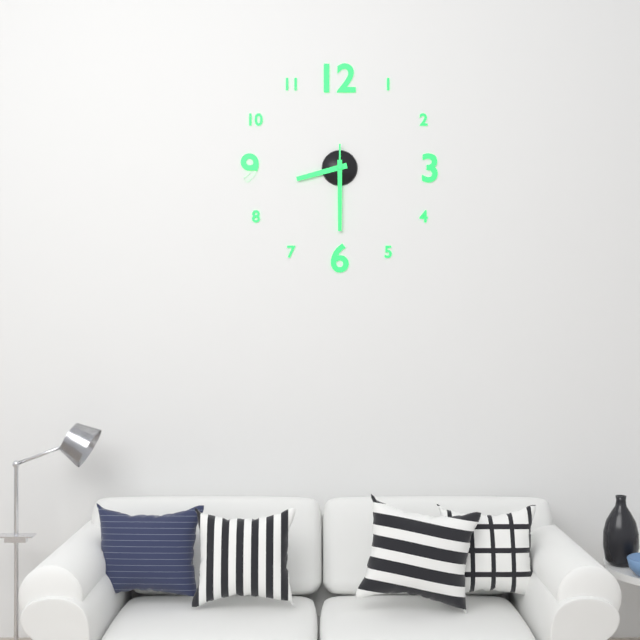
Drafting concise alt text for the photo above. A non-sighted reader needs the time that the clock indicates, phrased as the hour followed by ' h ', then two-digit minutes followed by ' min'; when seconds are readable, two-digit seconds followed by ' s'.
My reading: 8 h 30 min 30 s
